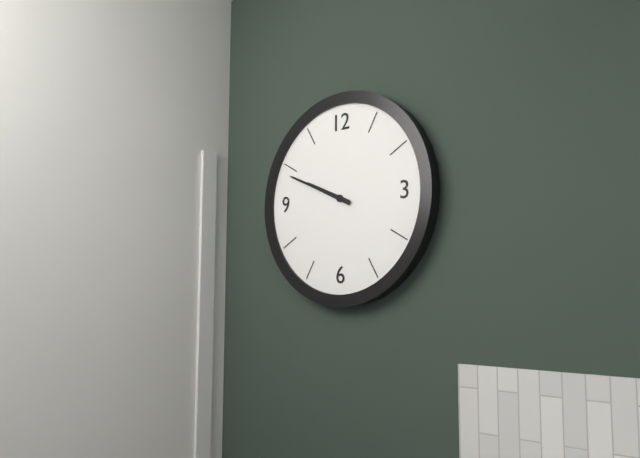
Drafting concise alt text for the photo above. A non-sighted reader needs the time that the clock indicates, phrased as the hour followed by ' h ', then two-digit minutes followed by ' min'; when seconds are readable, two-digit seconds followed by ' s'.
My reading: 9 h 49 min
